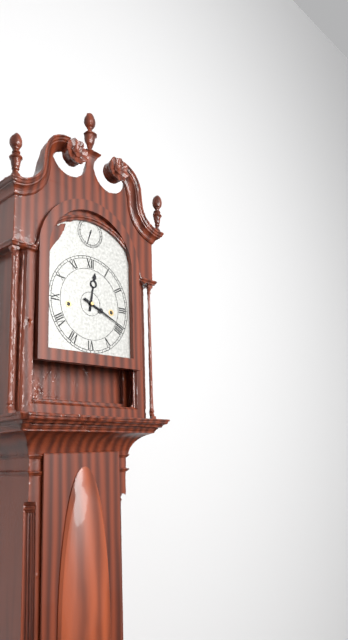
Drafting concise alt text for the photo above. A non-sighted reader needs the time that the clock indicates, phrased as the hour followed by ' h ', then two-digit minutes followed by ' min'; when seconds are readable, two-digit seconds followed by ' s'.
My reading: 12 h 19 min
